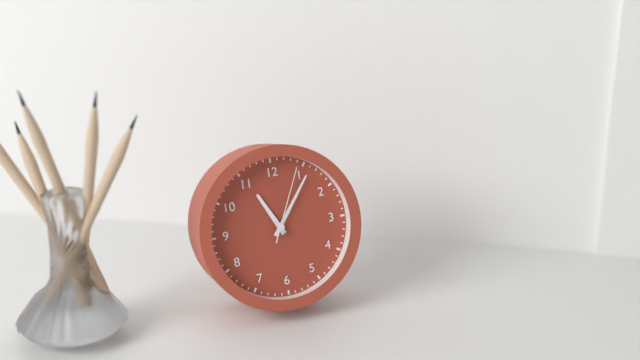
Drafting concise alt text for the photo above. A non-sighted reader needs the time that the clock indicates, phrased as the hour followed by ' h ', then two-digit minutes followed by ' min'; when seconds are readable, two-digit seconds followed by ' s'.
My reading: 11 h 06 min 04 s
